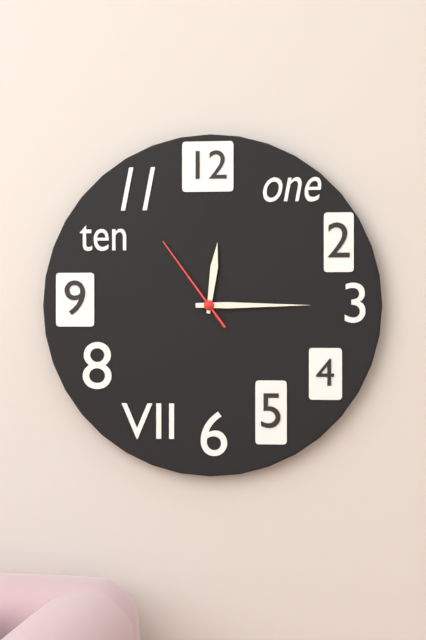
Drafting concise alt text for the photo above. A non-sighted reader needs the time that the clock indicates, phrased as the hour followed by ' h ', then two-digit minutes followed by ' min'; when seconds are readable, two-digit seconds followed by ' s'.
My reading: 12 h 15 min 54 s
